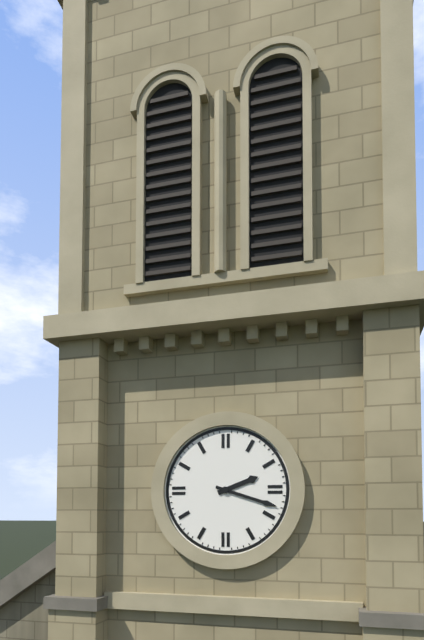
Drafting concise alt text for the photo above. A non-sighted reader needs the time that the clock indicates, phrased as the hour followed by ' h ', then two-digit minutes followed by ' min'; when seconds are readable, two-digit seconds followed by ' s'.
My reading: 2 h 18 min
